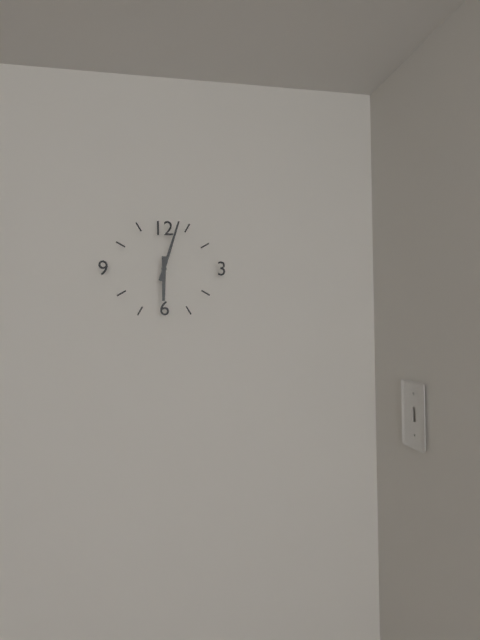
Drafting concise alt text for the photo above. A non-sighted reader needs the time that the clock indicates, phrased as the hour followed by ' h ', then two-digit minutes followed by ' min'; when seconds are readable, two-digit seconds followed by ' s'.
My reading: 6 h 03 min
